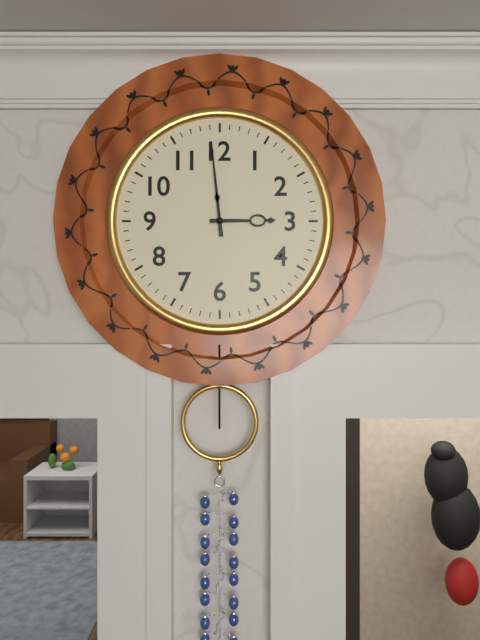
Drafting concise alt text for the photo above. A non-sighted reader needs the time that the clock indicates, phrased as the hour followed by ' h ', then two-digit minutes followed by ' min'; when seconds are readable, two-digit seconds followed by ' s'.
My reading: 2 h 59 min
